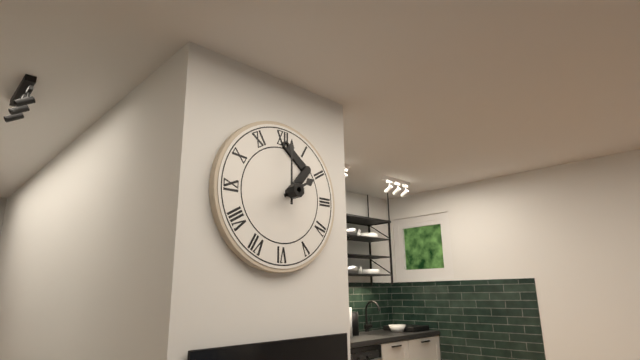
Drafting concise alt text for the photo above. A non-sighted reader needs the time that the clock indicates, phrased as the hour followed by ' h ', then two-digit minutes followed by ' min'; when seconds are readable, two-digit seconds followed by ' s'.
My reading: 2 h 00 min
